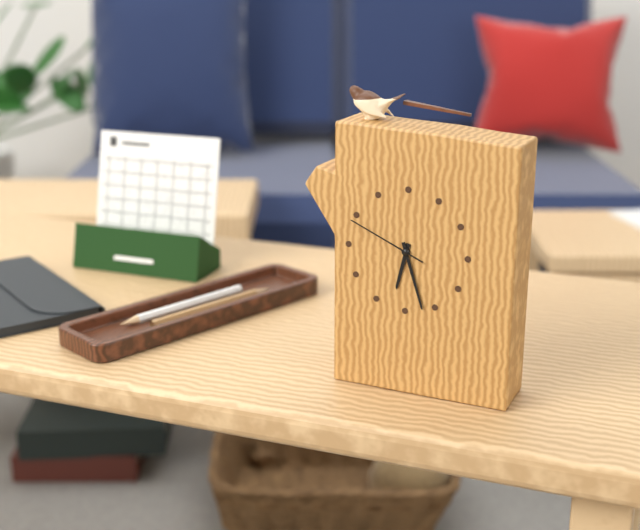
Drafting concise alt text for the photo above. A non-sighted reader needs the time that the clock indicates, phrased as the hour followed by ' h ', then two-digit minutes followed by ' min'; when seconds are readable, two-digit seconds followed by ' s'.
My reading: 6 h 27 min 49 s
